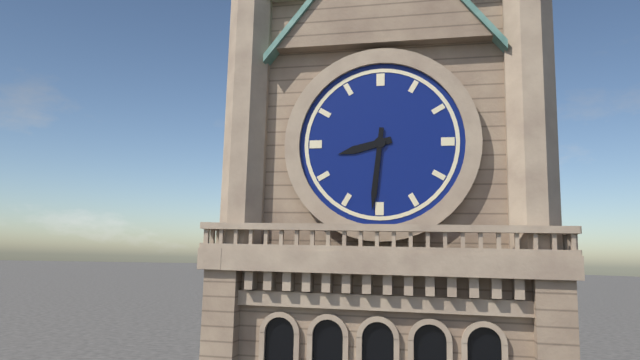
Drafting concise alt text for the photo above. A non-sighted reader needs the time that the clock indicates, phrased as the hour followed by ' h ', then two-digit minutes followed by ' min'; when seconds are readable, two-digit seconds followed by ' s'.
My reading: 8 h 31 min
